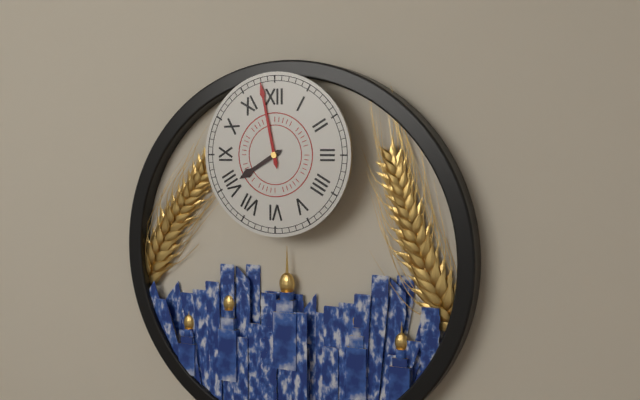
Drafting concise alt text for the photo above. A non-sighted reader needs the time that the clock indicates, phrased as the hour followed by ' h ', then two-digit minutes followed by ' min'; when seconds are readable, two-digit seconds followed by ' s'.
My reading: 7 h 58 min
